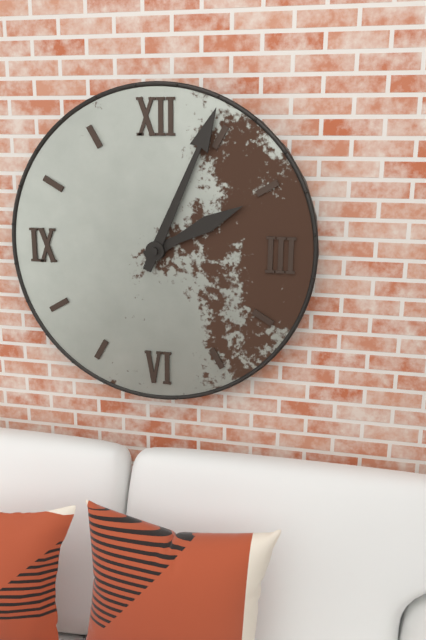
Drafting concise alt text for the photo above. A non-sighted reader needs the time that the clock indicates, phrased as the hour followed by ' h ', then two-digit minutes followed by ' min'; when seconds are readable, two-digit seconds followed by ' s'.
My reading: 2 h 04 min
